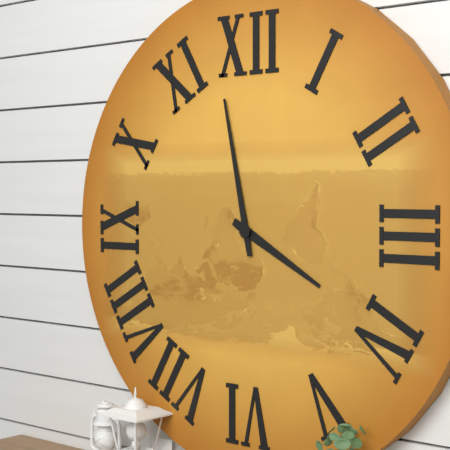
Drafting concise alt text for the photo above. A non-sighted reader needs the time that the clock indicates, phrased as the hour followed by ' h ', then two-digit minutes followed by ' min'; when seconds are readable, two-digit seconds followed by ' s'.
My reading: 3 h 58 min
